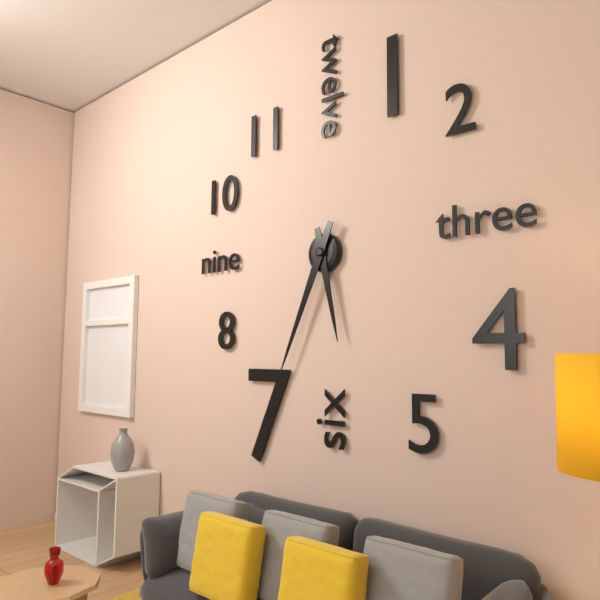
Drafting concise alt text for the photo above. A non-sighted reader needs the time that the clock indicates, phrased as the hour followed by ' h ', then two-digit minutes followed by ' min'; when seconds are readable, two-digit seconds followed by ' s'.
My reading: 5 h 34 min
